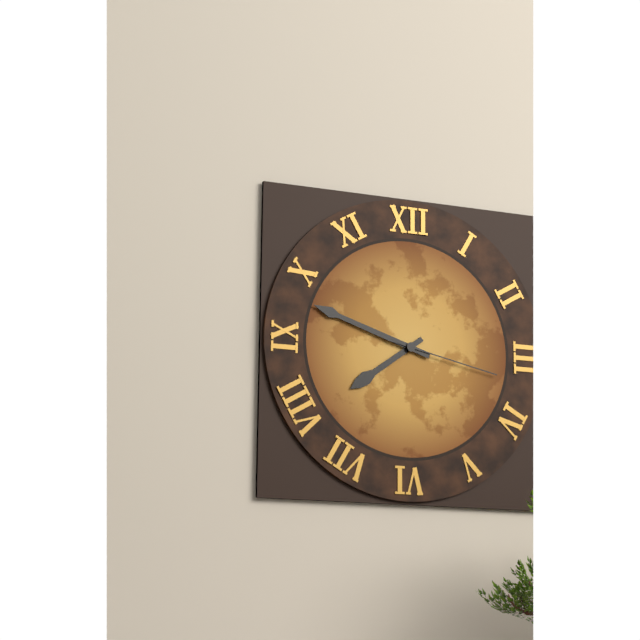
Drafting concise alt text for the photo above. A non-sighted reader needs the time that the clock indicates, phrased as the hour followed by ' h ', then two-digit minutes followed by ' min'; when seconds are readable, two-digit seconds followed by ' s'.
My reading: 7 h 48 min 17 s
